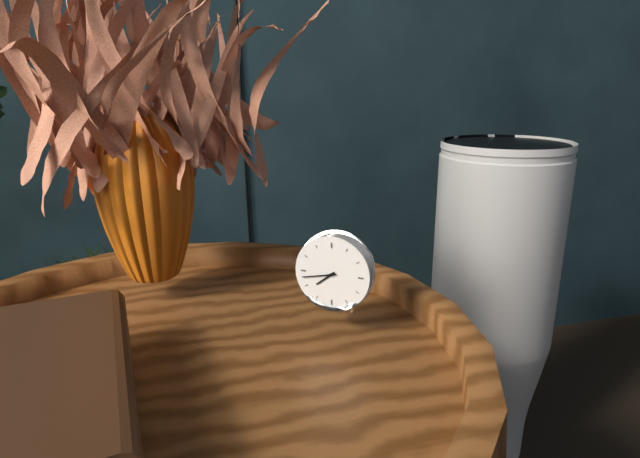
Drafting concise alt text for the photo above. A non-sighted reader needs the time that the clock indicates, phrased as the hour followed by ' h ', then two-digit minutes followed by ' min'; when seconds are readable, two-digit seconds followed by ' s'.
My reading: 7 h 43 min
